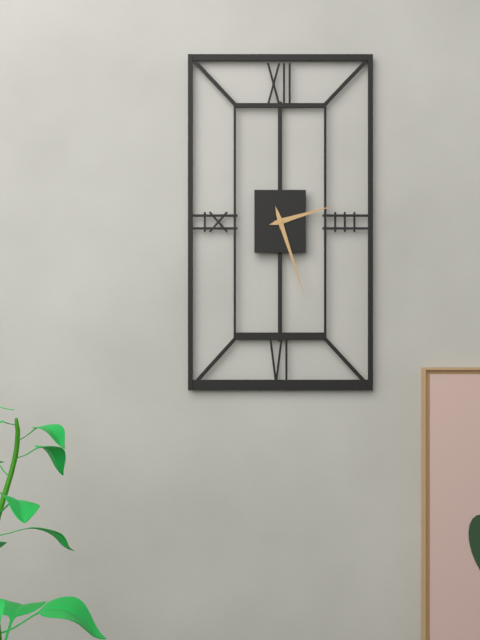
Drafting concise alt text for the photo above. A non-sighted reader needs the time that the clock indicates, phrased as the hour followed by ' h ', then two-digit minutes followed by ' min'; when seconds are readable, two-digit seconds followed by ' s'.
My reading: 2 h 27 min
